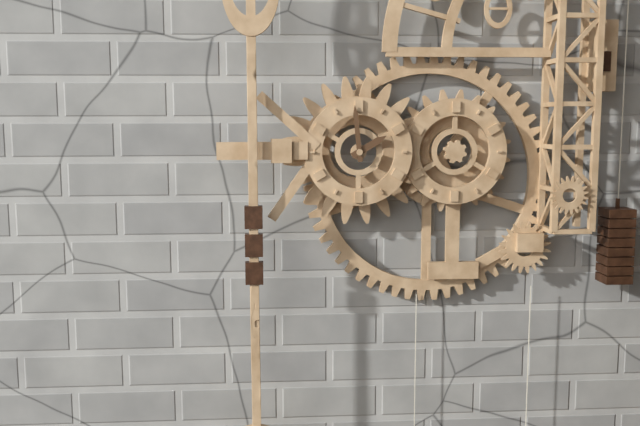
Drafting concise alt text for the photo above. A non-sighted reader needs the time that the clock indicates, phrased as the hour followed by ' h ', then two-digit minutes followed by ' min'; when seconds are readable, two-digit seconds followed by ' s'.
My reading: 1 h 59 min
